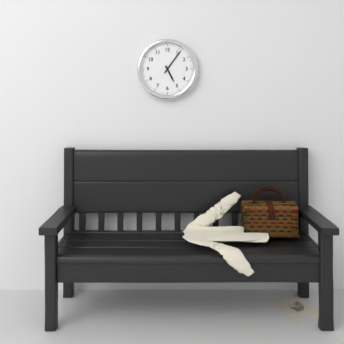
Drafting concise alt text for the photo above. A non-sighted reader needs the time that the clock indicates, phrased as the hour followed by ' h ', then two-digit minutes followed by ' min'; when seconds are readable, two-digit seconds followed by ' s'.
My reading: 5 h 06 min
